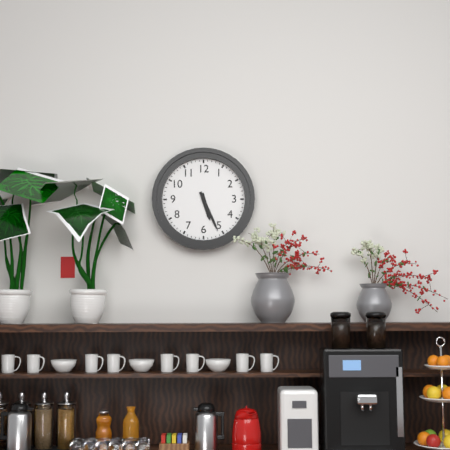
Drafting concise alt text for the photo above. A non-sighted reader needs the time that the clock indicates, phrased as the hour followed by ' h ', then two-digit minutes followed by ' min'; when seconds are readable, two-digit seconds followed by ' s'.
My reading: 5 h 26 min
